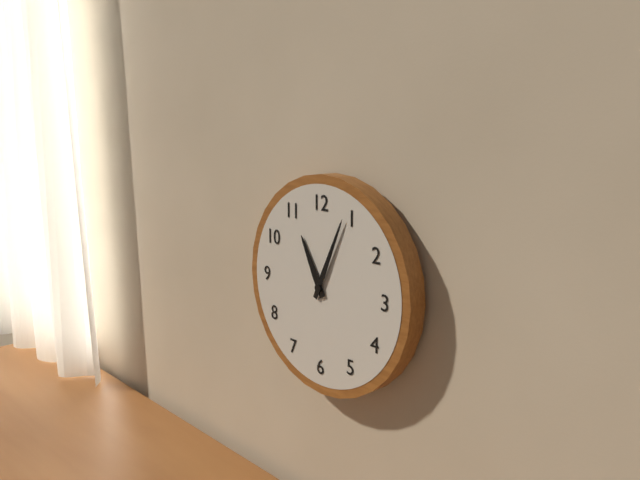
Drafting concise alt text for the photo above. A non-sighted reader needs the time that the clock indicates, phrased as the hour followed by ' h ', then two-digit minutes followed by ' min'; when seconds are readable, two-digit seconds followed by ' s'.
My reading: 11 h 04 min
